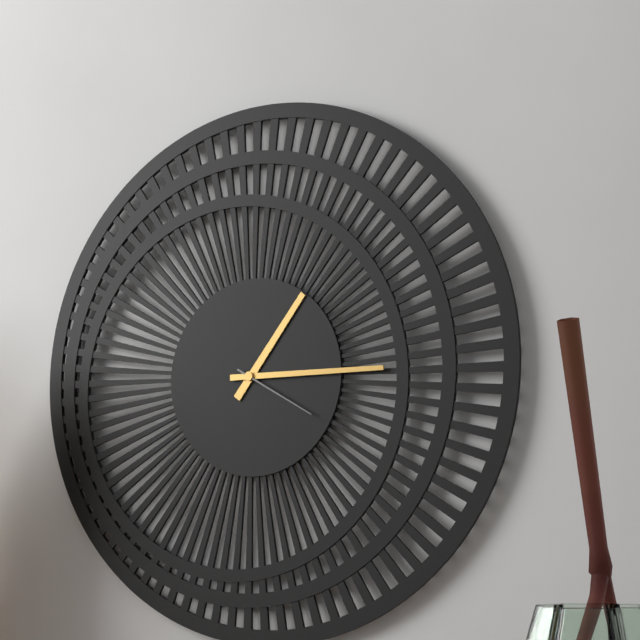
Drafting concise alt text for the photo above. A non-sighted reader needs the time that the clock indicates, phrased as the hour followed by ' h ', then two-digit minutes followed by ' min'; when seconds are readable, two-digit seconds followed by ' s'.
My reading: 1 h 15 min 20 s
